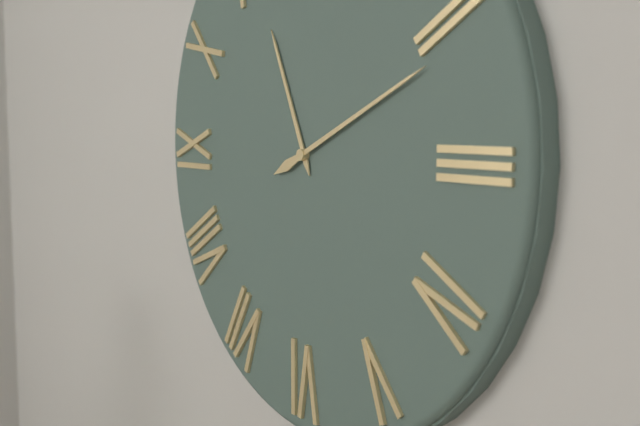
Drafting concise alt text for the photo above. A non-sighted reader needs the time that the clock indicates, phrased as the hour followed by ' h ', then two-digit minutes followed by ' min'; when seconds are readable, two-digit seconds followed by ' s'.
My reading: 11 h 11 min
